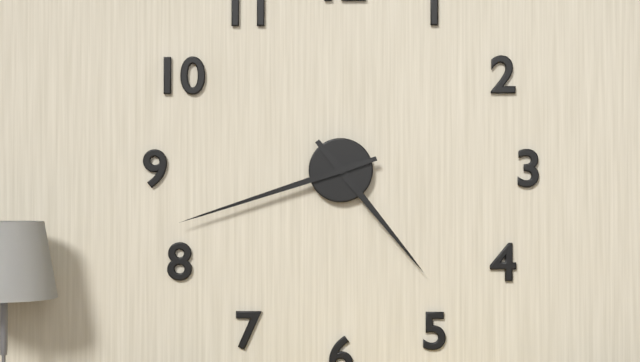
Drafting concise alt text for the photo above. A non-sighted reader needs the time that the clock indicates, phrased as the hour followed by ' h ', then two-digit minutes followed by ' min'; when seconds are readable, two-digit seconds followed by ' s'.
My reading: 4 h 42 min
